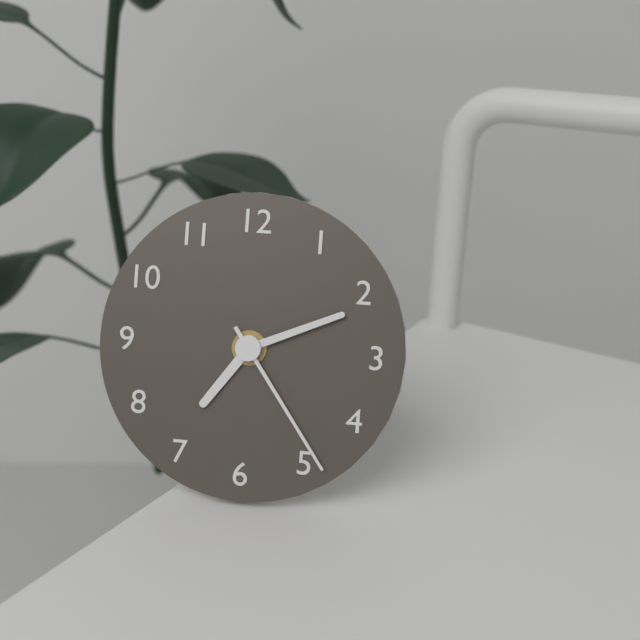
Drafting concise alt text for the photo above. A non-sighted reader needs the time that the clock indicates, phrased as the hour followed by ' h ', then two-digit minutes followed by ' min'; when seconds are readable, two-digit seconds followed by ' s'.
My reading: 7 h 11 min 24 s
